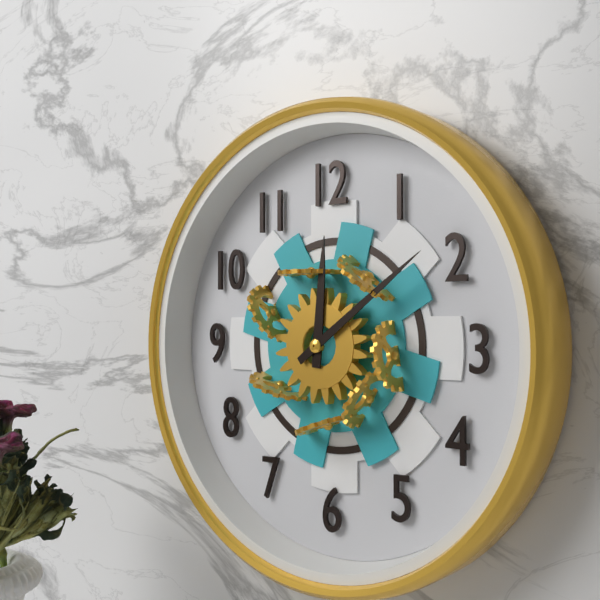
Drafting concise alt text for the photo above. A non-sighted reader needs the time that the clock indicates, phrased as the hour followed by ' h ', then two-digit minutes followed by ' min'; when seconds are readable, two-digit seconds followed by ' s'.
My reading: 12 h 09 min
